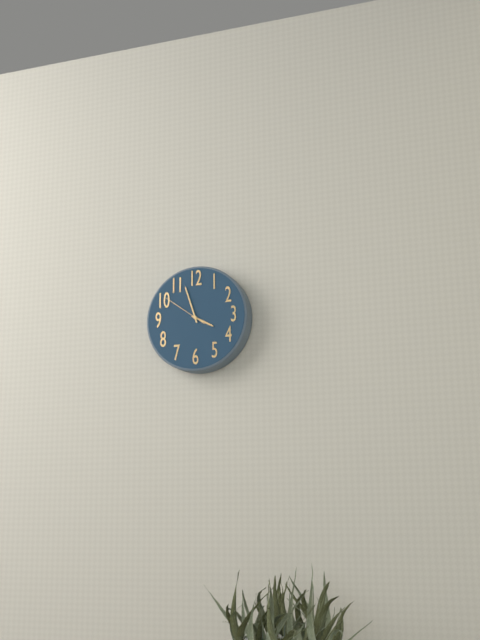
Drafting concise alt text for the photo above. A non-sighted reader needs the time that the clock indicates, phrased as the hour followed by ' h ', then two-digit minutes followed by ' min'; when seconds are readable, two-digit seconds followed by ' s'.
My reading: 3 h 57 min
